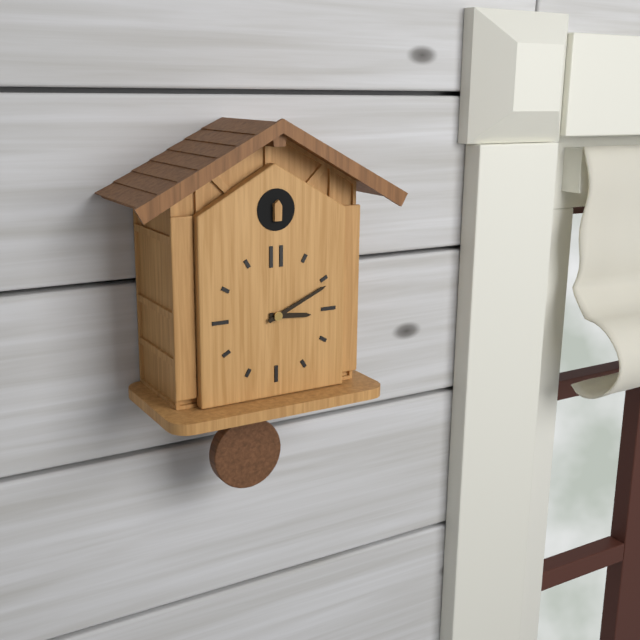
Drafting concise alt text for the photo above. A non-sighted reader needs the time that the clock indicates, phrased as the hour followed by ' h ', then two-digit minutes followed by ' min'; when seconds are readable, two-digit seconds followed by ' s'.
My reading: 3 h 11 min
